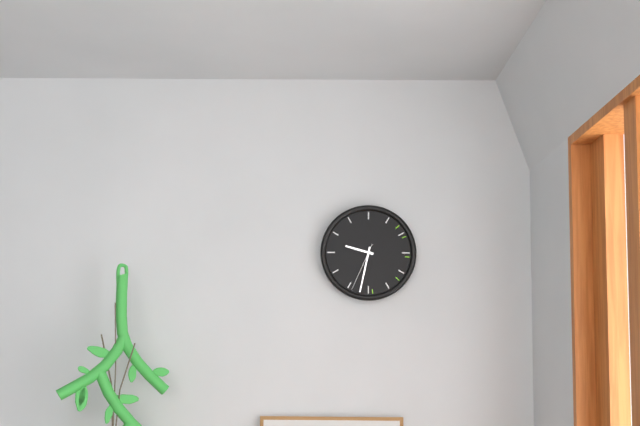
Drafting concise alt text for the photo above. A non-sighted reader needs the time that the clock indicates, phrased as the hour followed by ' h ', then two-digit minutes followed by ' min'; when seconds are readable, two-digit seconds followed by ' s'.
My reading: 9 h 32 min
